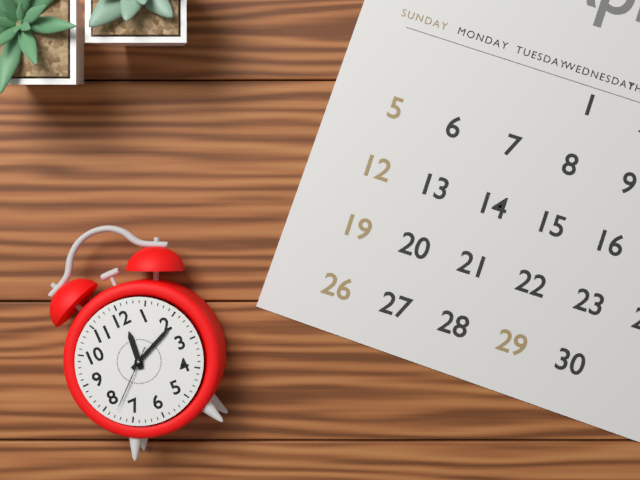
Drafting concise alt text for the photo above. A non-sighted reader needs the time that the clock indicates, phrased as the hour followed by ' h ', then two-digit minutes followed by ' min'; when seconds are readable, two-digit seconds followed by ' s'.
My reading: 12 h 11 min 38 s
